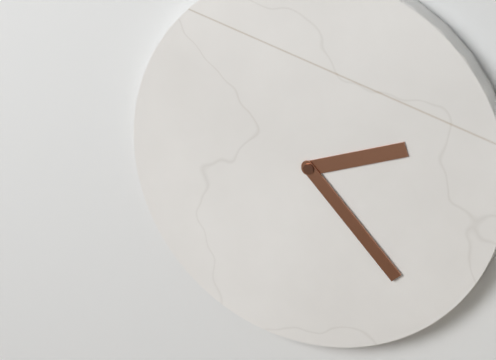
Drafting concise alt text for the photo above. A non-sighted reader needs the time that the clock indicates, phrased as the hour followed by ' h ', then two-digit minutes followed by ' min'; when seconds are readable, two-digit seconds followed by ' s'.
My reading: 2 h 23 min
